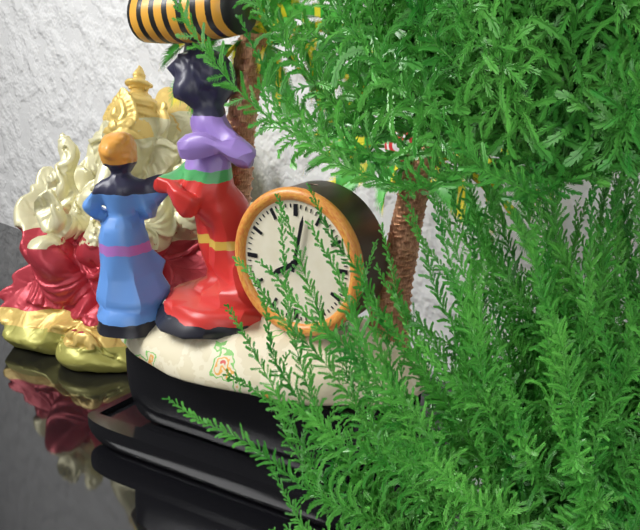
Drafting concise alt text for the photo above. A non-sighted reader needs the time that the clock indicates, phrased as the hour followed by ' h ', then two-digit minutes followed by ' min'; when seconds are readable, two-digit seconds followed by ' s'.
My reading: 8 h 02 min
